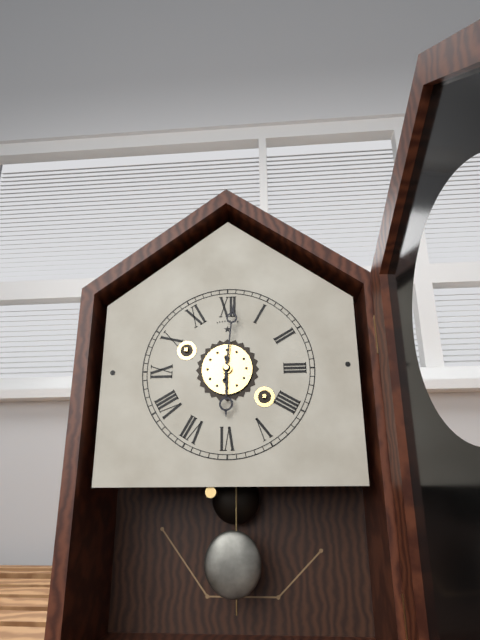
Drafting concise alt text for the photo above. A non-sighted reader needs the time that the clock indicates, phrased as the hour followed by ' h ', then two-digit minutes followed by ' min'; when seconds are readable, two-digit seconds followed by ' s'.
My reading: 6 h 01 min
